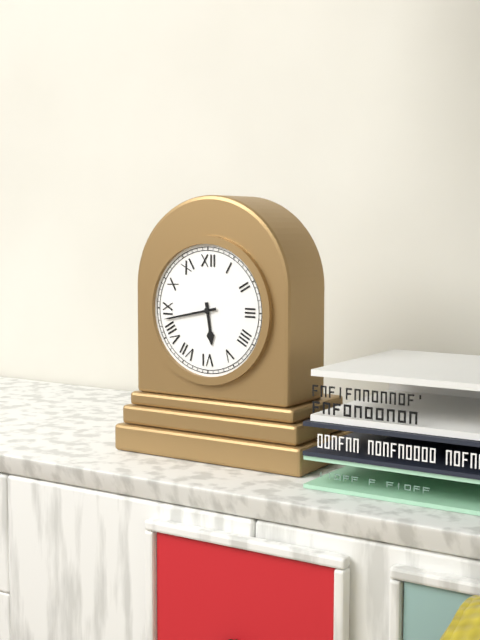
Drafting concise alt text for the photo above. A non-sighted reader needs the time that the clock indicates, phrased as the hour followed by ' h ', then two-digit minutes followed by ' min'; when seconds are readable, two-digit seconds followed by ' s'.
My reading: 5 h 43 min
